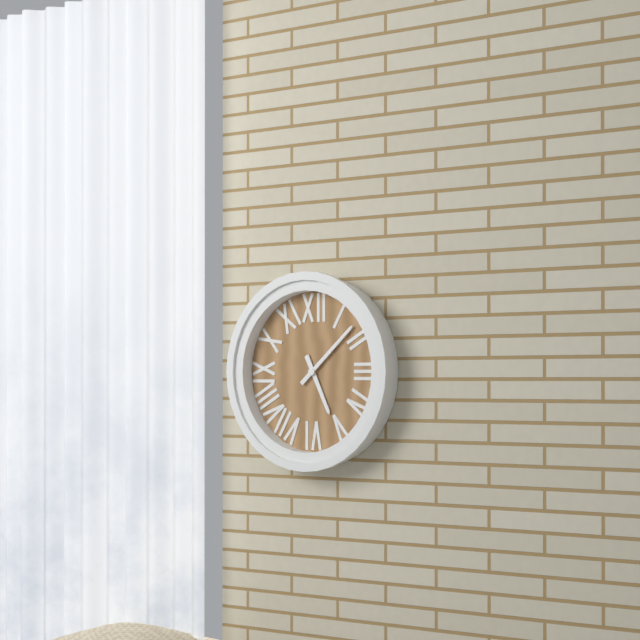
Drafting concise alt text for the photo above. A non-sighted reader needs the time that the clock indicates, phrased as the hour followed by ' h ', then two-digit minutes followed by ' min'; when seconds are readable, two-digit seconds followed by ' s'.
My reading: 5 h 08 min
